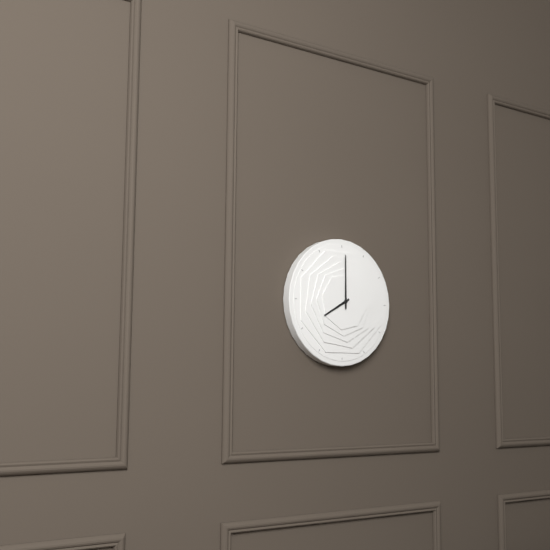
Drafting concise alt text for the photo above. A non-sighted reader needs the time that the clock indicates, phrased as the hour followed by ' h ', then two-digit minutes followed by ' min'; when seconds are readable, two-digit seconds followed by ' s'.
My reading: 8 h 00 min
